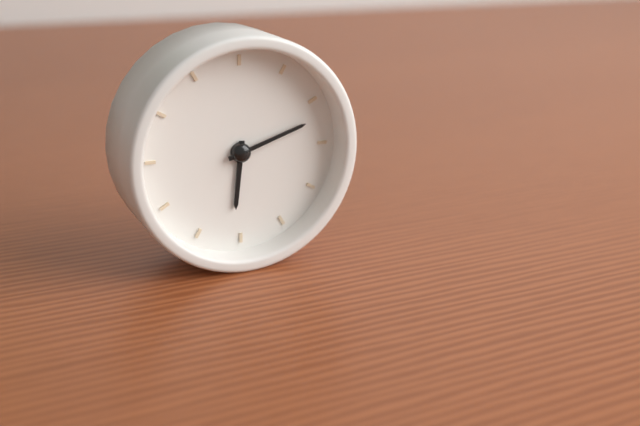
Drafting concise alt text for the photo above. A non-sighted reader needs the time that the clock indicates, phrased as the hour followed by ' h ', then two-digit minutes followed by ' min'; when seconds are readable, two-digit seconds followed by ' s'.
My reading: 6 h 12 min
